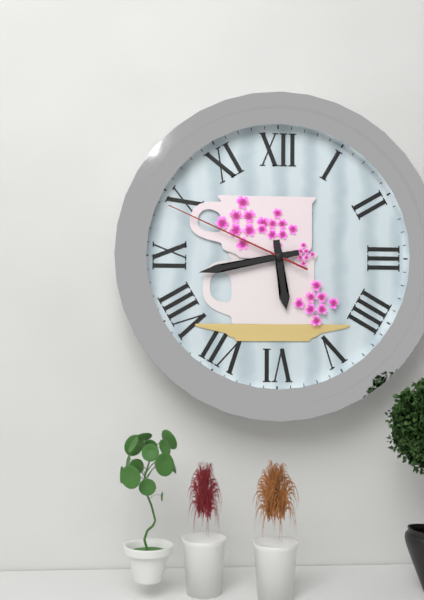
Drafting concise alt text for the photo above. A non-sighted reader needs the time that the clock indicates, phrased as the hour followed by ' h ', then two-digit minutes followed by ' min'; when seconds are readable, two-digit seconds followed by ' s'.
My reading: 5 h 43 min 49 s
